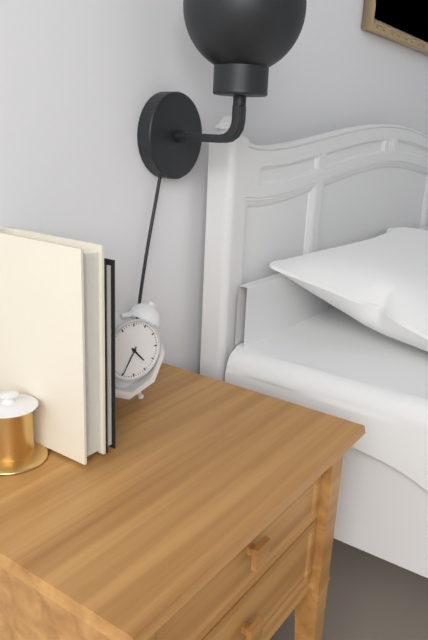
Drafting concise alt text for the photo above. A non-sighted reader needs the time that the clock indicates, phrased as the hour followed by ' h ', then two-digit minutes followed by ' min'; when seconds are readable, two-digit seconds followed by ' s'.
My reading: 4 h 35 min
